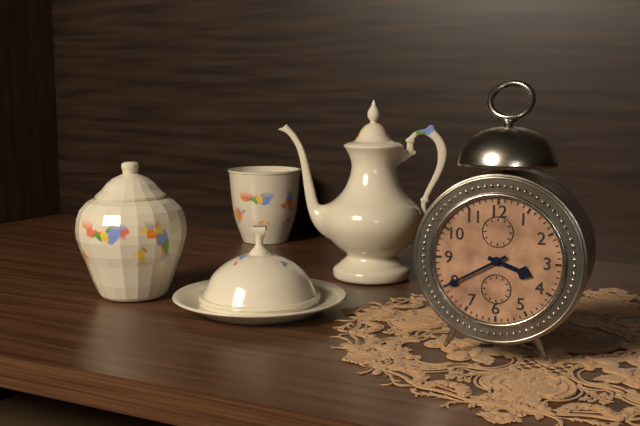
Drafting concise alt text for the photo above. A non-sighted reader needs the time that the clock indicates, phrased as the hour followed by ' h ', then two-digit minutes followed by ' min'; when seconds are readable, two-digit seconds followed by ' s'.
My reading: 3 h 40 min
